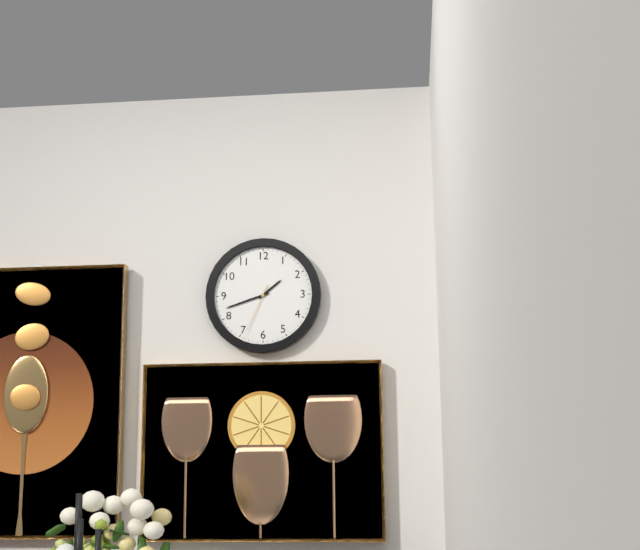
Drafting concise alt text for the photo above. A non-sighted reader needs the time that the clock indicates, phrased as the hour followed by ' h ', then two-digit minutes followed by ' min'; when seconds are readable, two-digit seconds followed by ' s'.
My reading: 1 h 42 min 34 s
